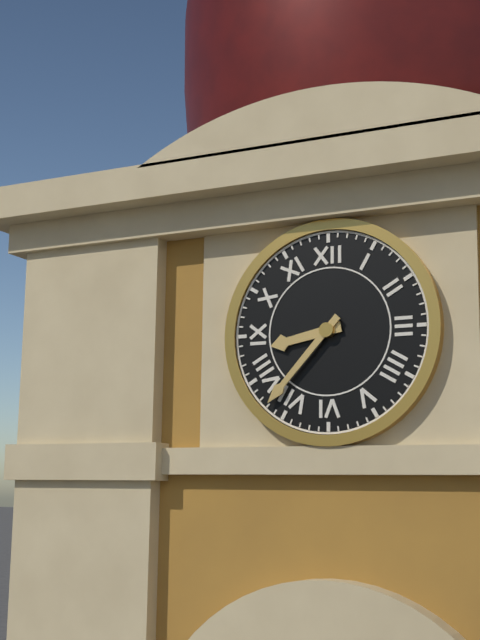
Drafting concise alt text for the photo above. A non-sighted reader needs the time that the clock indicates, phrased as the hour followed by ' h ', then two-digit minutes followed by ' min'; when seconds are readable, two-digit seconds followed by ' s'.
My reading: 8 h 37 min
